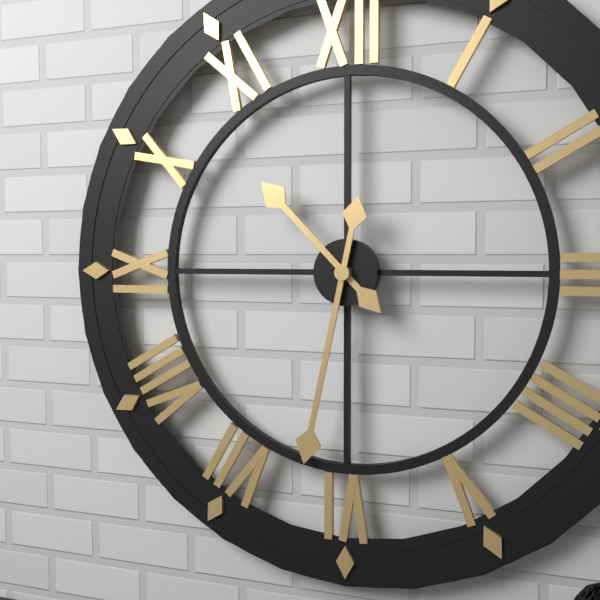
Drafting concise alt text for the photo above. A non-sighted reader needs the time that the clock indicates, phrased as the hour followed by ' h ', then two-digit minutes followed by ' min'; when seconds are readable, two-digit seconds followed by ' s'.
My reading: 10 h 32 min
